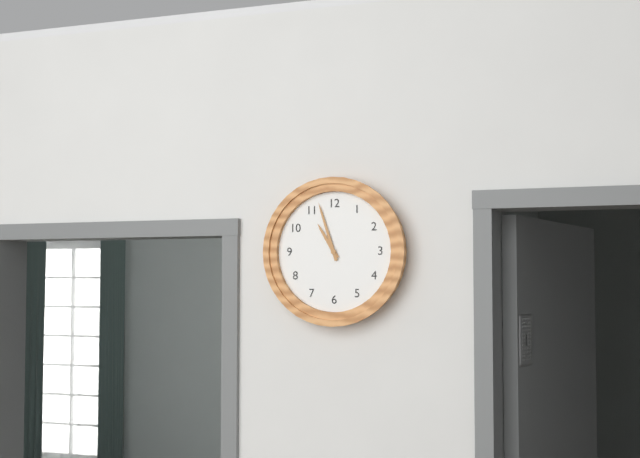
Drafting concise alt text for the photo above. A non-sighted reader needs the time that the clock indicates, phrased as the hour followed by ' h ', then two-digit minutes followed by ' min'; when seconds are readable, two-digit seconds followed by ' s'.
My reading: 10 h 57 min
